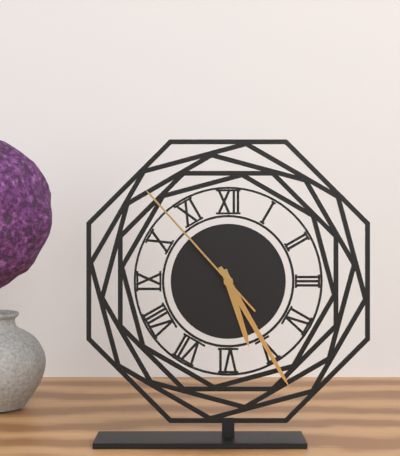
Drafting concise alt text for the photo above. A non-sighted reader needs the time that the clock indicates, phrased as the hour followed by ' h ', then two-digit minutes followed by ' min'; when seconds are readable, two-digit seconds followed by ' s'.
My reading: 5 h 25 min 53 s
